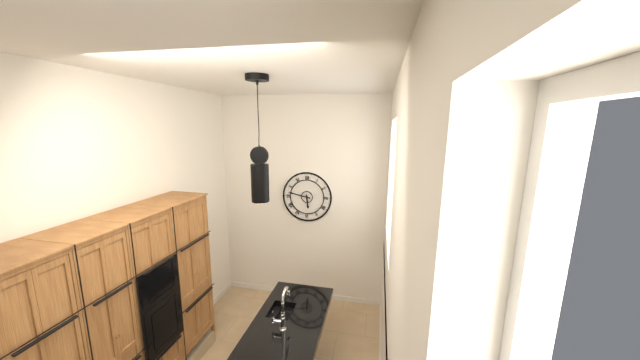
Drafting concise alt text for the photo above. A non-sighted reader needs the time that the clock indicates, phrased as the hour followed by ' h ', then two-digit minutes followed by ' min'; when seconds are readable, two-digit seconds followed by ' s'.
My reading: 5 h 47 min
